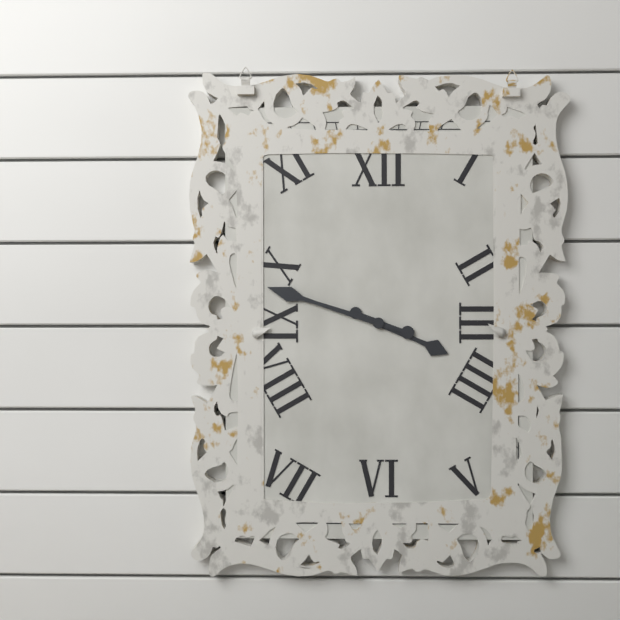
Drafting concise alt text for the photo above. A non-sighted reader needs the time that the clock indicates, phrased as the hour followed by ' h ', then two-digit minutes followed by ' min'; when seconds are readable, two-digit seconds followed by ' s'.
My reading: 3 h 48 min
